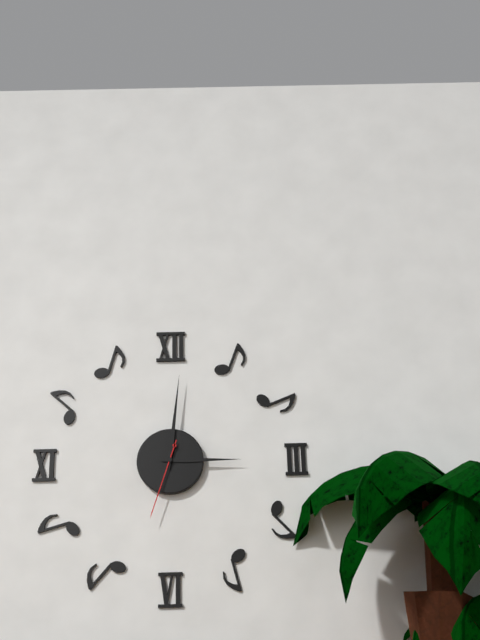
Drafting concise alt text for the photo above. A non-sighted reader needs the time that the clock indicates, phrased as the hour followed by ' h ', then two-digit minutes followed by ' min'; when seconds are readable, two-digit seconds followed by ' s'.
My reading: 3 h 01 min 33 s
